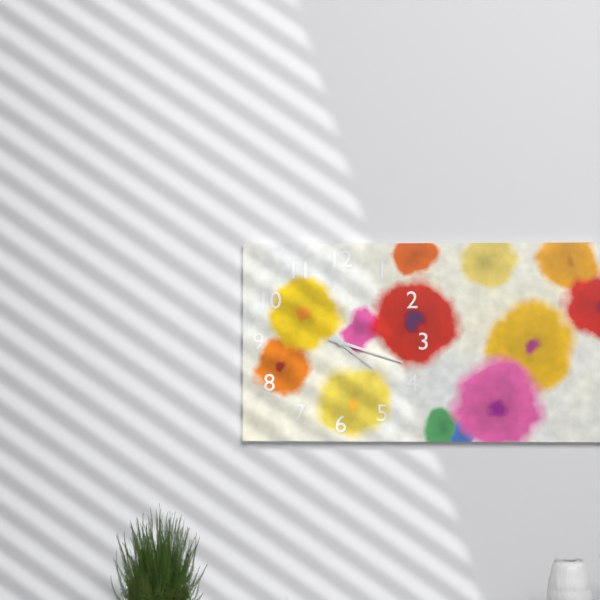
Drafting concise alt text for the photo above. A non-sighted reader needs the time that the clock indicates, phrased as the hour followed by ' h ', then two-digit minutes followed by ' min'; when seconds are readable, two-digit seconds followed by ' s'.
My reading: 4 h 18 min
